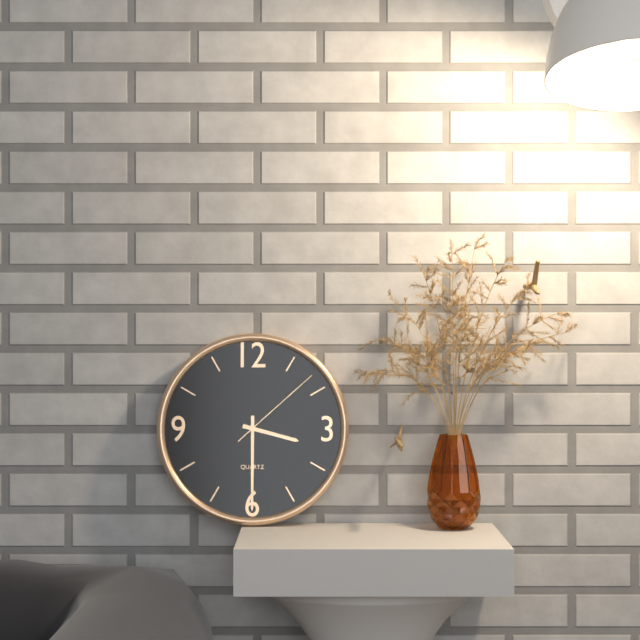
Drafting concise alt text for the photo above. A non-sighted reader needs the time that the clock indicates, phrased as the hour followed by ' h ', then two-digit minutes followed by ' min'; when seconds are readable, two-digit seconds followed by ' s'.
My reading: 3 h 30 min 08 s
